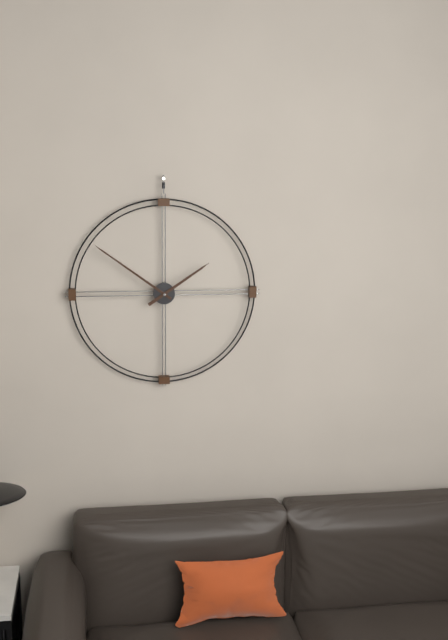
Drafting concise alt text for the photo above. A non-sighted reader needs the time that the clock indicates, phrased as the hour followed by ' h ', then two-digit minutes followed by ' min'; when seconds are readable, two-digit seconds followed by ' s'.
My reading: 1 h 51 min
